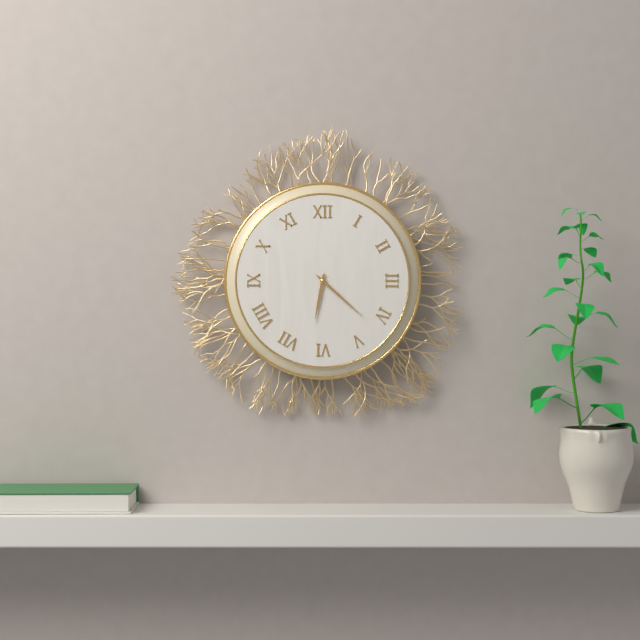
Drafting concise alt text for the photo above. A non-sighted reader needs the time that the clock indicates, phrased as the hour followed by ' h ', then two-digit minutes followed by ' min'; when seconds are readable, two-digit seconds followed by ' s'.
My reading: 6 h 22 min
